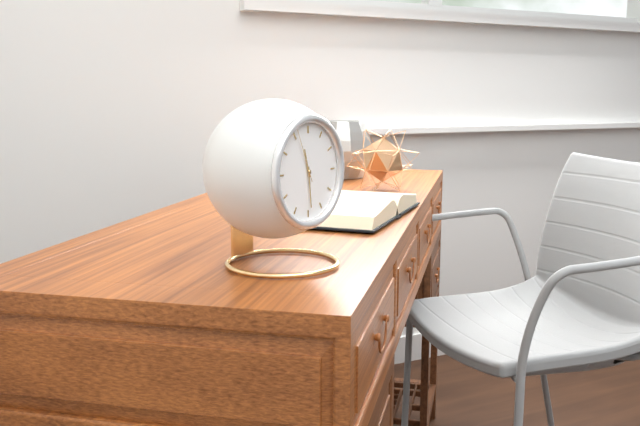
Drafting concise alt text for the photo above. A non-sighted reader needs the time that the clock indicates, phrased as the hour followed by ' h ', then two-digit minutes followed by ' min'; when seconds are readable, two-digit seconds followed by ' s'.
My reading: 11 h 29 min 56 s
